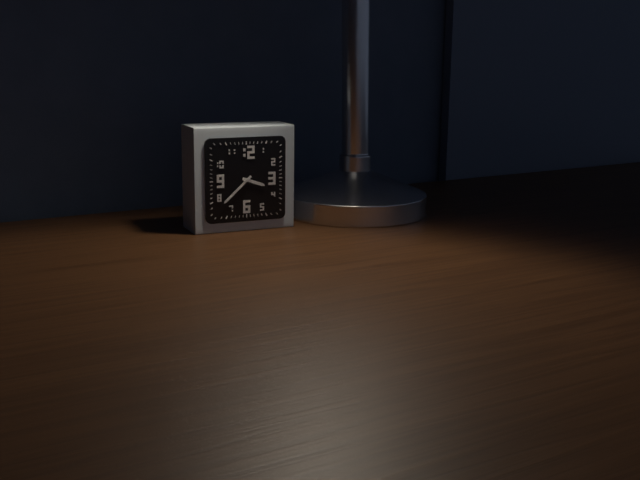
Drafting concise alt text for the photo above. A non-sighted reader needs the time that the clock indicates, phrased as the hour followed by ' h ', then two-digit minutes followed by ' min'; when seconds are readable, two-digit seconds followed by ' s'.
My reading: 3 h 38 min
